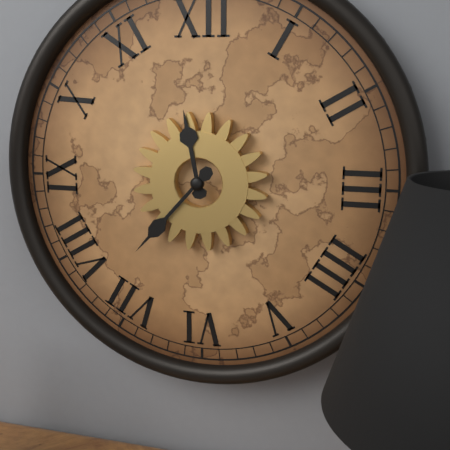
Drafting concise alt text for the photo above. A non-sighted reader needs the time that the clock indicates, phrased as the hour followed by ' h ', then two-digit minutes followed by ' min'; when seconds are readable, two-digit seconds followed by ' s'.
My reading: 11 h 37 min
